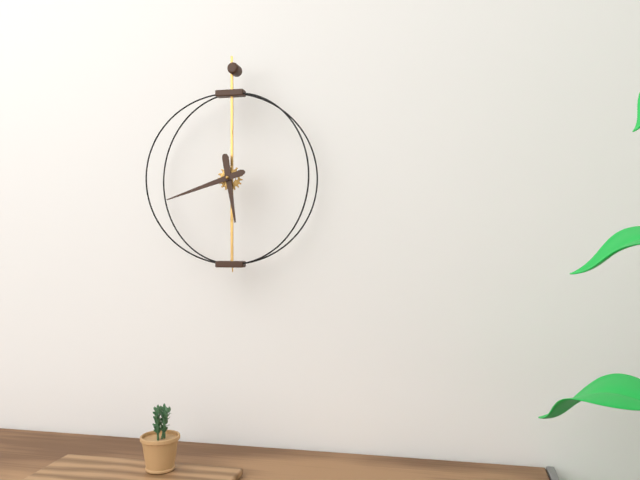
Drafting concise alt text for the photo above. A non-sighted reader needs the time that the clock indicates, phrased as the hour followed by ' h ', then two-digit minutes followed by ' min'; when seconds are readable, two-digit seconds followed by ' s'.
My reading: 5 h 42 min
